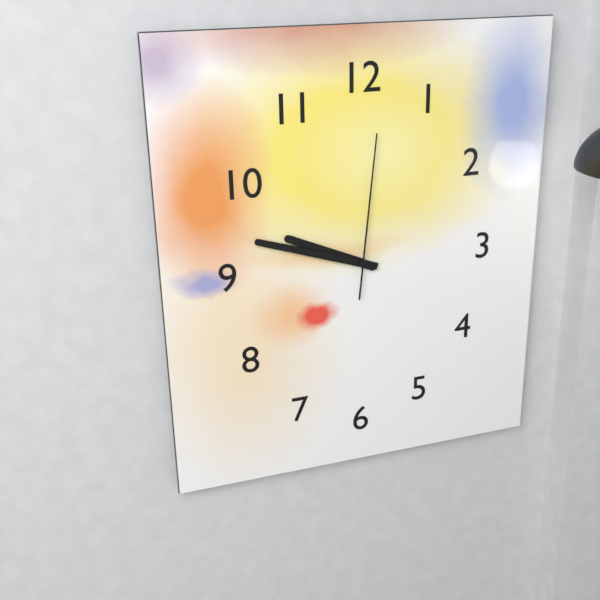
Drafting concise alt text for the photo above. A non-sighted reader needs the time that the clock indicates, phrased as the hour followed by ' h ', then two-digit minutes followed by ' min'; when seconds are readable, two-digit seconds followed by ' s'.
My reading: 9 h 48 min 01 s
